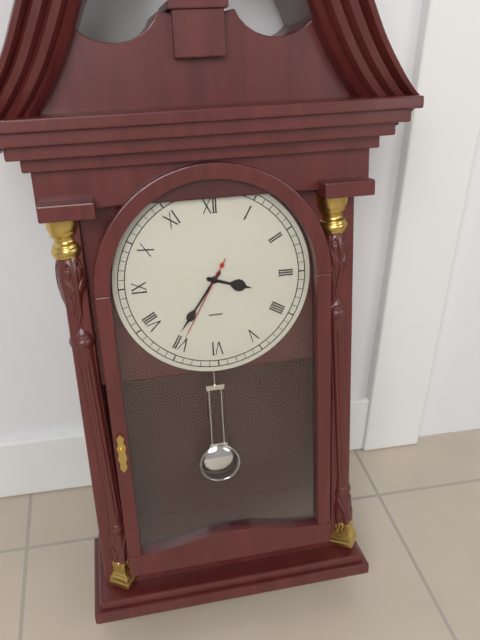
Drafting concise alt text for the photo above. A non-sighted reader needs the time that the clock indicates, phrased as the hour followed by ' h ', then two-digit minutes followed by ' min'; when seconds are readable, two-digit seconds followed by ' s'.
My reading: 3 h 36 min 35 s
